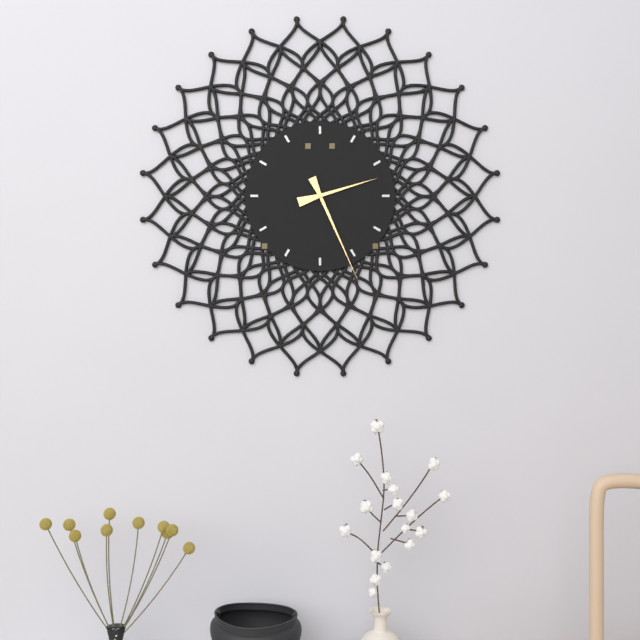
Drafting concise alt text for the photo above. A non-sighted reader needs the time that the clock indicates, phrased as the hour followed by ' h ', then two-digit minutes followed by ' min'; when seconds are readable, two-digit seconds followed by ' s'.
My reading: 2 h 26 min
